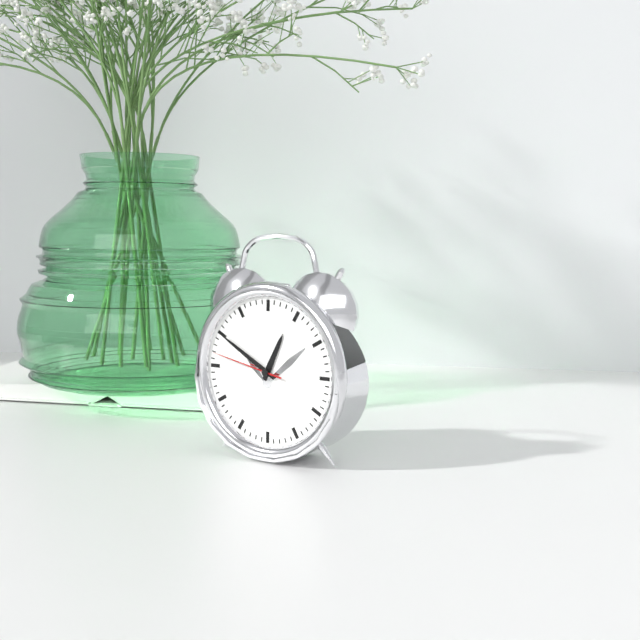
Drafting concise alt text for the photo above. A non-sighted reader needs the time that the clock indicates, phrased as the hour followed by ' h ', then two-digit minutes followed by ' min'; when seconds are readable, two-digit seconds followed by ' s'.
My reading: 12 h 50 min 47 s
